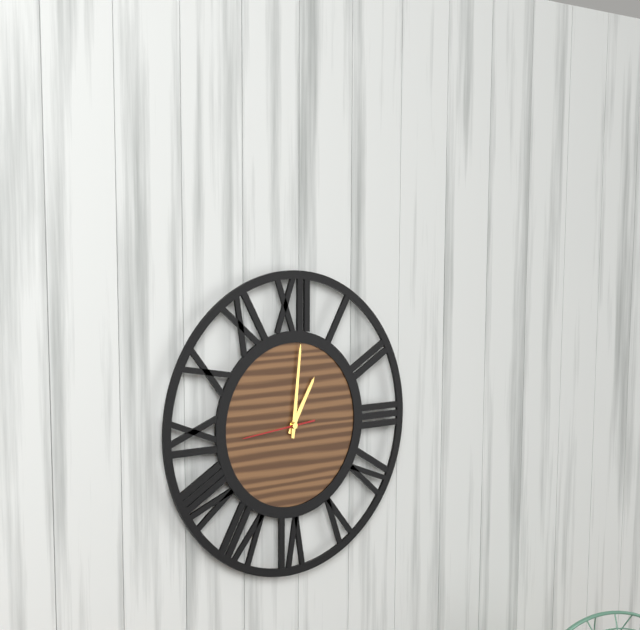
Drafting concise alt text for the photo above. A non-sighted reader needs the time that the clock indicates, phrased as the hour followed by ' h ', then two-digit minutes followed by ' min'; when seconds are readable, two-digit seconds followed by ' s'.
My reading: 1 h 01 min 44 s
